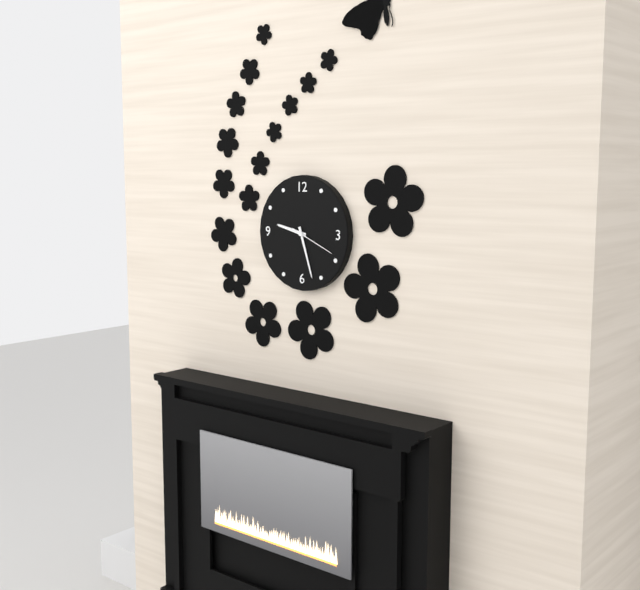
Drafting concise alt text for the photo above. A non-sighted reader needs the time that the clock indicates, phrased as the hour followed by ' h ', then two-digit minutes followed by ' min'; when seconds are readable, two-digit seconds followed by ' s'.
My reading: 9 h 27 min
